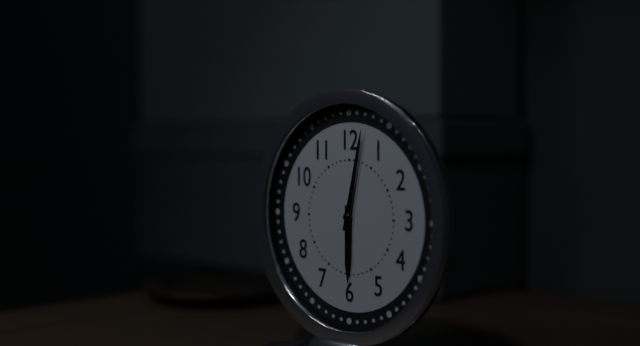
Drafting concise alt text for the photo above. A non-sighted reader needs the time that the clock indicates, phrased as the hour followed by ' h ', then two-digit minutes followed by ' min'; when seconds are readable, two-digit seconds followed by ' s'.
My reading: 6 h 02 min
